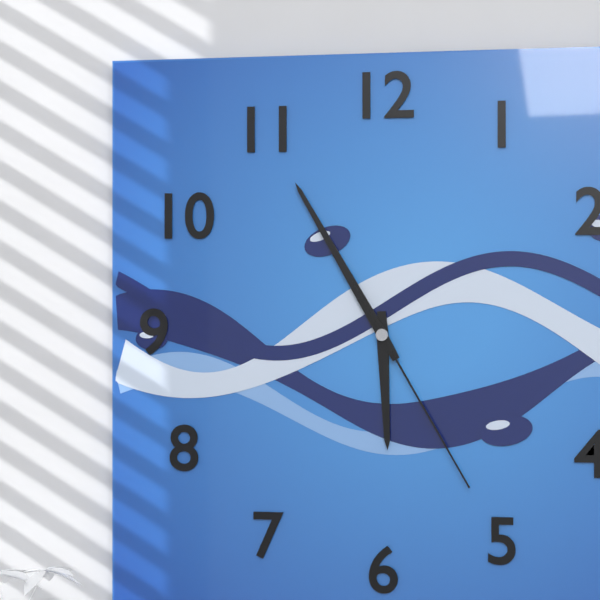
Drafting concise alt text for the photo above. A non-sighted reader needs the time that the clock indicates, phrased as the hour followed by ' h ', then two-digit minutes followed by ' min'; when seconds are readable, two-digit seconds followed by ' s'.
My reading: 5 h 55 min 25 s
